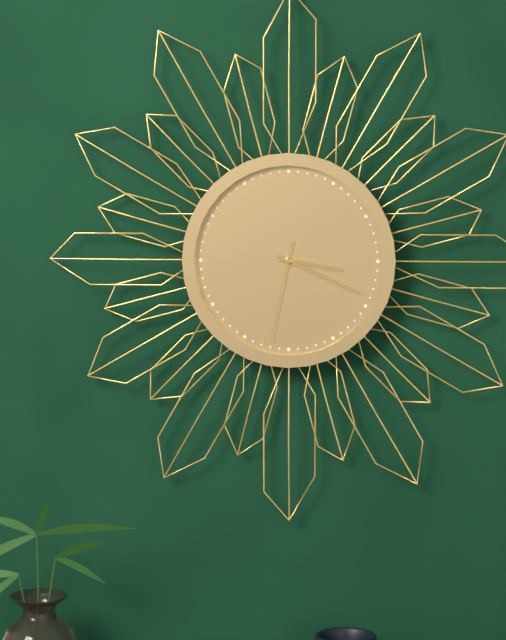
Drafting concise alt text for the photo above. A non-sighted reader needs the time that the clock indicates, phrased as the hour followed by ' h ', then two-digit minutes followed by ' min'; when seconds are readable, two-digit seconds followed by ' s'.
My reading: 3 h 19 min 32 s
